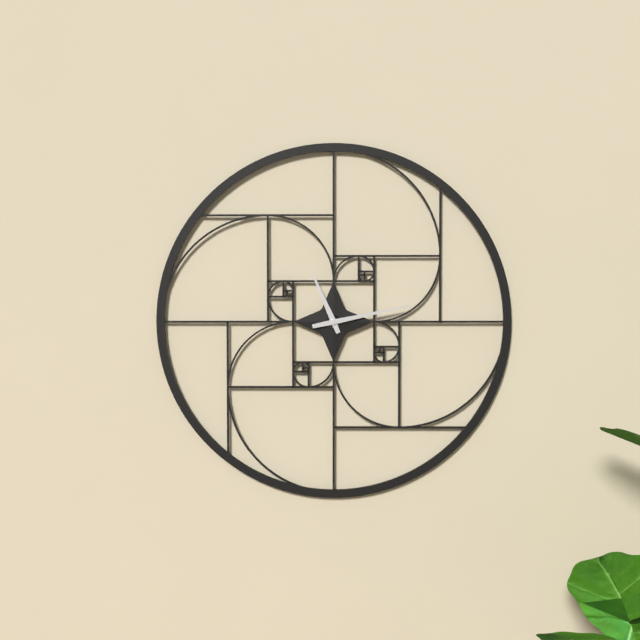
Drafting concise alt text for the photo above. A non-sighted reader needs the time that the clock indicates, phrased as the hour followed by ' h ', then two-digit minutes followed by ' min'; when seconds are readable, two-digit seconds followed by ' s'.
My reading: 11 h 13 min
